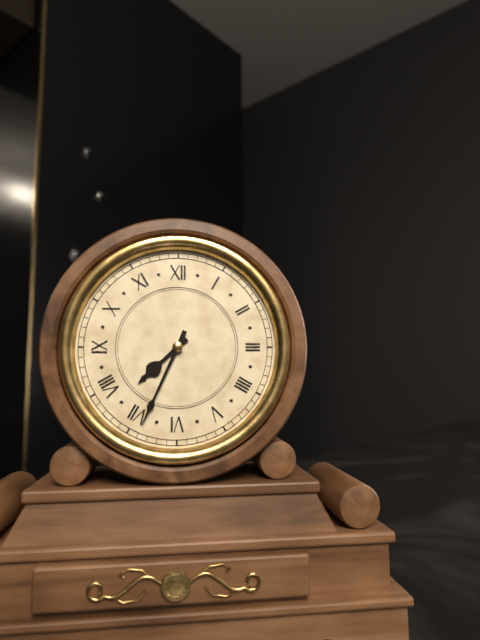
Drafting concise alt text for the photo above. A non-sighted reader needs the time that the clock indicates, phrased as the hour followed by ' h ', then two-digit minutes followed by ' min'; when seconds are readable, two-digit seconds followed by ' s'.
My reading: 7 h 34 min
